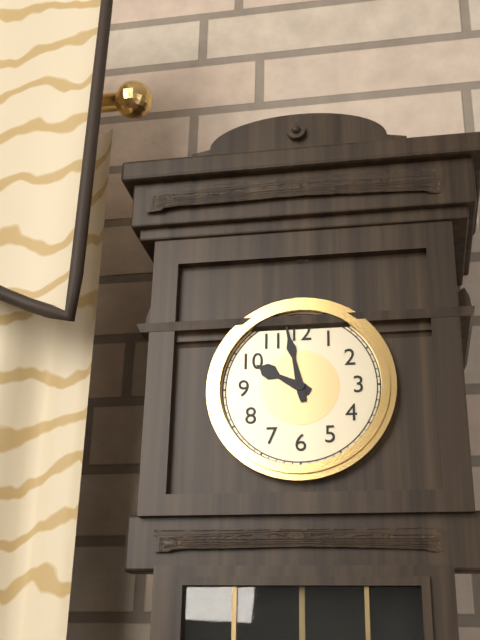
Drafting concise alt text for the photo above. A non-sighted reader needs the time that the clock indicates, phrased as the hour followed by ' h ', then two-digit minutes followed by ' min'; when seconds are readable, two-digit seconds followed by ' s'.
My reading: 9 h 58 min
